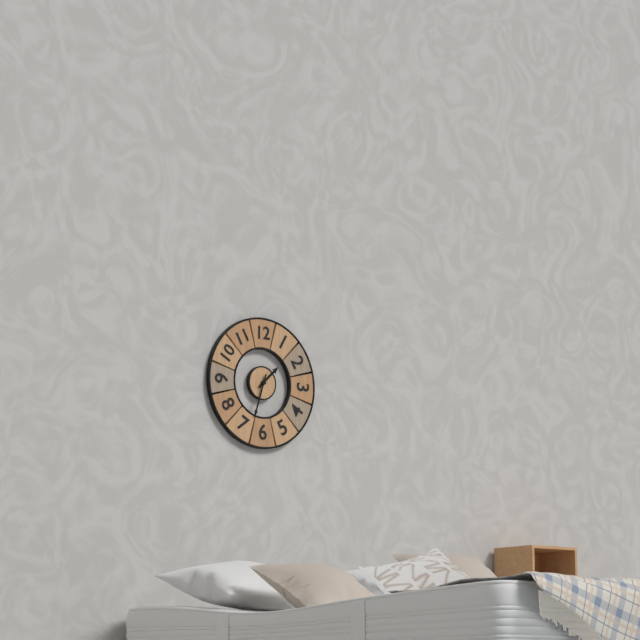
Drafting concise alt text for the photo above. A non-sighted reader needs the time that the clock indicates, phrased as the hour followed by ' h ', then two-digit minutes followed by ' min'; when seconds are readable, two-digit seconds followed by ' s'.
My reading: 1 h 33 min
